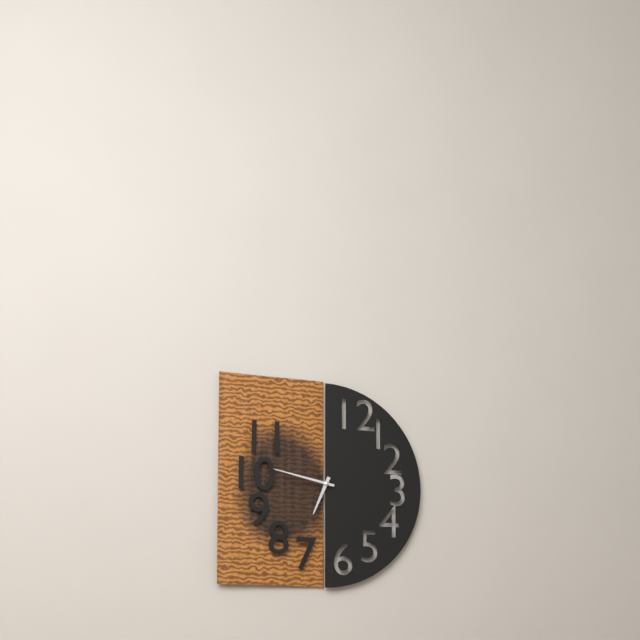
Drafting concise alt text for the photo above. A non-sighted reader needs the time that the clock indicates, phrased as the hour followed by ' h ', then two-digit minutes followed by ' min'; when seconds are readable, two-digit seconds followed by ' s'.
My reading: 6 h 47 min
